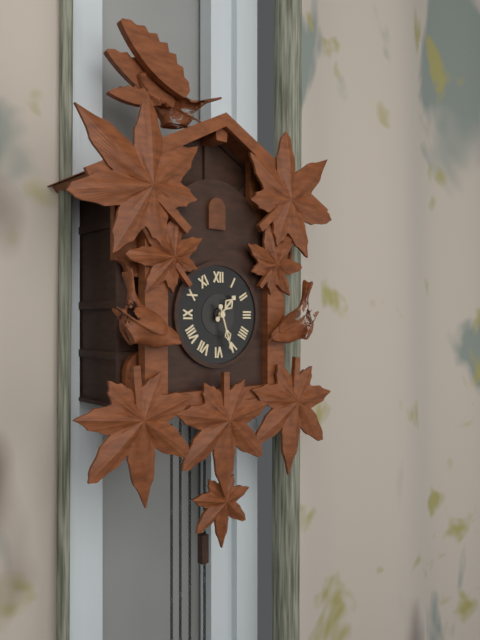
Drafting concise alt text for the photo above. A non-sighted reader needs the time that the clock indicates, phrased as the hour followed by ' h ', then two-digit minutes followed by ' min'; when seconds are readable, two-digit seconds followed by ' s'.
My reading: 1 h 27 min
